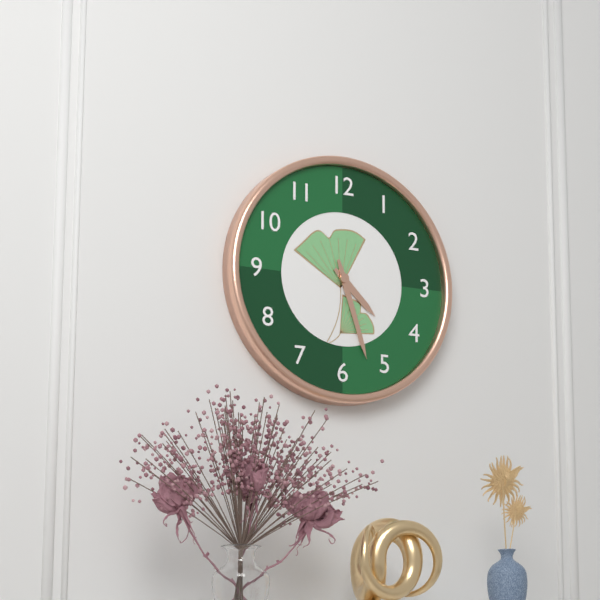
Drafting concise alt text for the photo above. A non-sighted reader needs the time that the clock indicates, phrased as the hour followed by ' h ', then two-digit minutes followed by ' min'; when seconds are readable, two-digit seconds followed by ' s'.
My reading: 4 h 27 min
